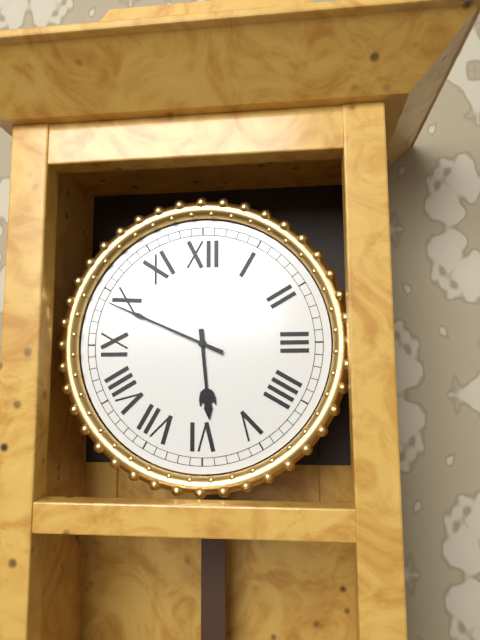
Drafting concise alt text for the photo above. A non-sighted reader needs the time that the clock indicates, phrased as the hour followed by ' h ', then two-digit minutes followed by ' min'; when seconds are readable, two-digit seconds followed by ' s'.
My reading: 5 h 49 min
